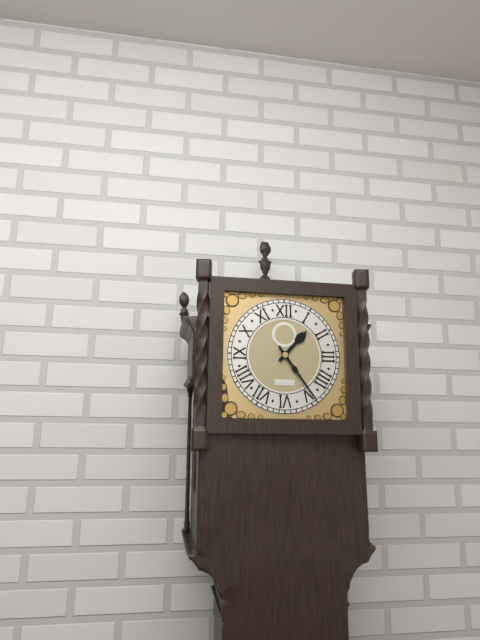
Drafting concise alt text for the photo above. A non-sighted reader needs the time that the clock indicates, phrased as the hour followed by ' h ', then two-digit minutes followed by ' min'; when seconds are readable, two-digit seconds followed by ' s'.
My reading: 1 h 24 min
